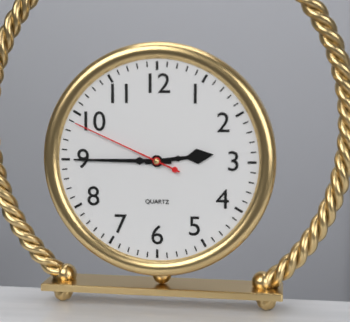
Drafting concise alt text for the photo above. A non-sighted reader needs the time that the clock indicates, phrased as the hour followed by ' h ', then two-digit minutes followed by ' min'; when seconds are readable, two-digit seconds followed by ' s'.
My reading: 2 h 45 min 49 s
